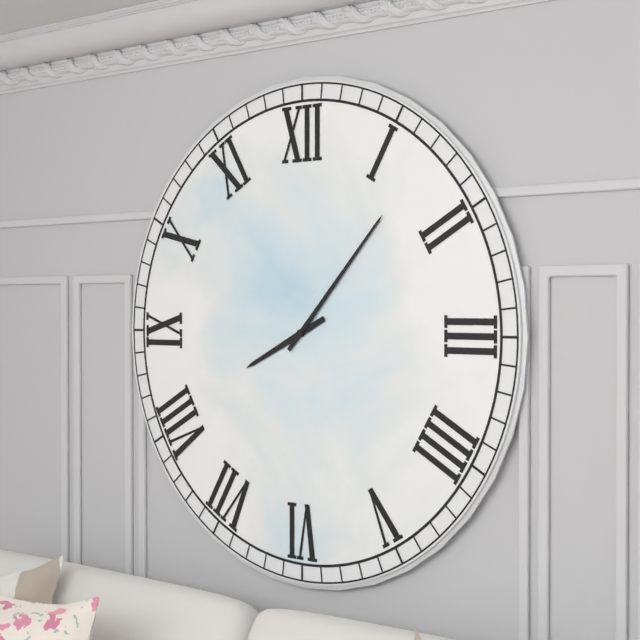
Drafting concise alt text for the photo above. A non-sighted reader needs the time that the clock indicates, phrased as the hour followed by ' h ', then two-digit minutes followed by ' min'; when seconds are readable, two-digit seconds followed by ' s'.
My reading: 8 h 07 min
